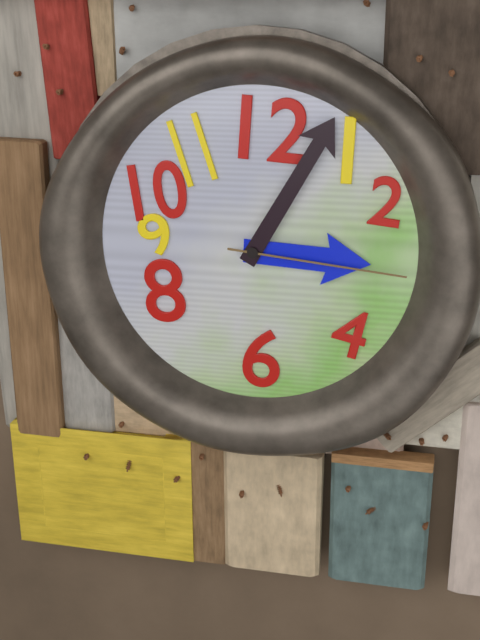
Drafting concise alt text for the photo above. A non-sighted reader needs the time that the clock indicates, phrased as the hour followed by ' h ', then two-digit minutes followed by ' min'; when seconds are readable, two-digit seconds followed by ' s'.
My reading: 3 h 05 min 16 s
